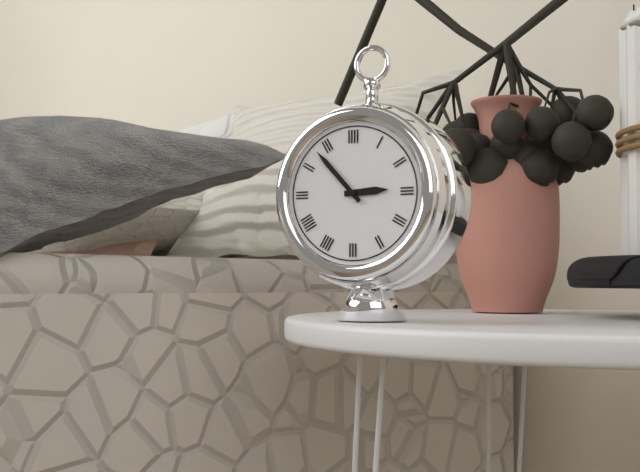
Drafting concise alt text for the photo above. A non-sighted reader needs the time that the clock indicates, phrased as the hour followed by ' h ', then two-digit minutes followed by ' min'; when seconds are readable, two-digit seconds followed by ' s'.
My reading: 2 h 53 min
